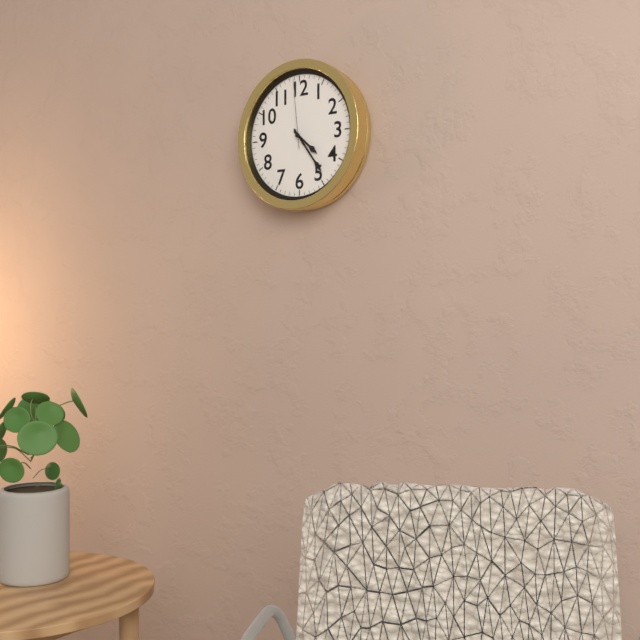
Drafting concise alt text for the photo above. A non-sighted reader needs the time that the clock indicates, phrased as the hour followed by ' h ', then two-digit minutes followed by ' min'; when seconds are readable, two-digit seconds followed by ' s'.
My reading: 4 h 24 min 59 s
